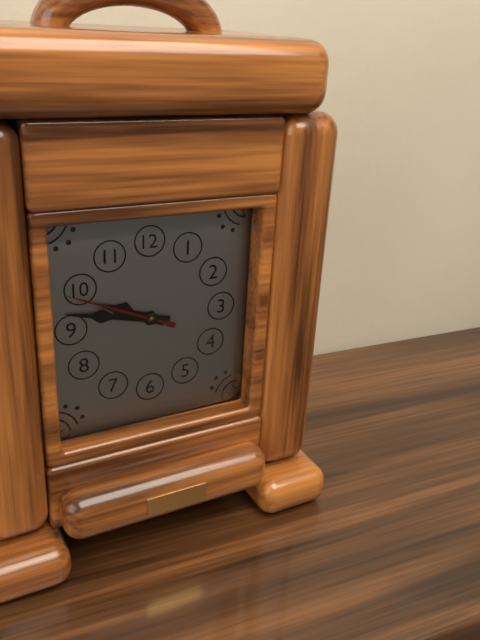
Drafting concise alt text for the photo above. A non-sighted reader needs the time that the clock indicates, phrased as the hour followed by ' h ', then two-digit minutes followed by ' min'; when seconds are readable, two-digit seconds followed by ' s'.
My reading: 9 h 47 min 49 s
